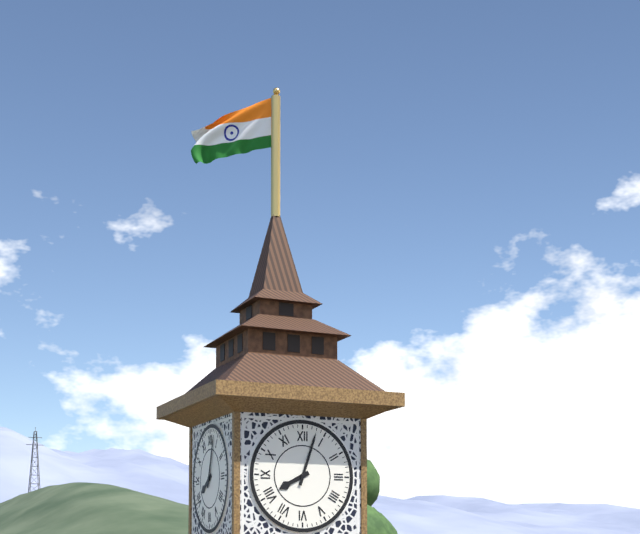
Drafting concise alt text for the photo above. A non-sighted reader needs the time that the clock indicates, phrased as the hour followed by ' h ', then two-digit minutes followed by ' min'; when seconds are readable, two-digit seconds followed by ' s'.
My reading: 8 h 03 min
